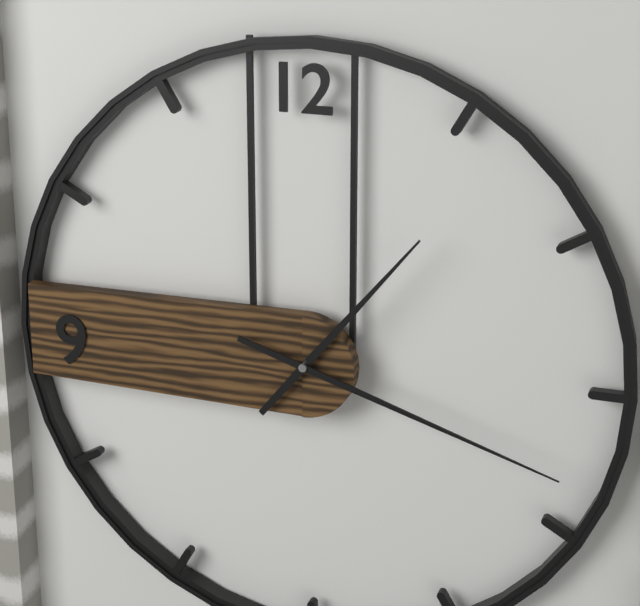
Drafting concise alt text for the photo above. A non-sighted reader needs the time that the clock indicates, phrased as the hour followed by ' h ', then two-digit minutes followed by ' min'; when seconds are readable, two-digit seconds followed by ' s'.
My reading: 1 h 18 min
